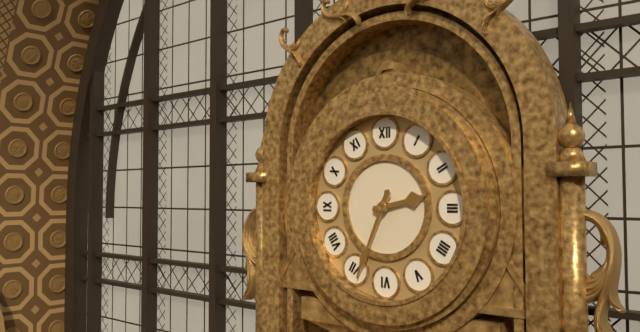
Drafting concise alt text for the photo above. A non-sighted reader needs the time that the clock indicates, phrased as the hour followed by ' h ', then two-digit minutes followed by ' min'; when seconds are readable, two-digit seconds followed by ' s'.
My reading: 2 h 34 min
